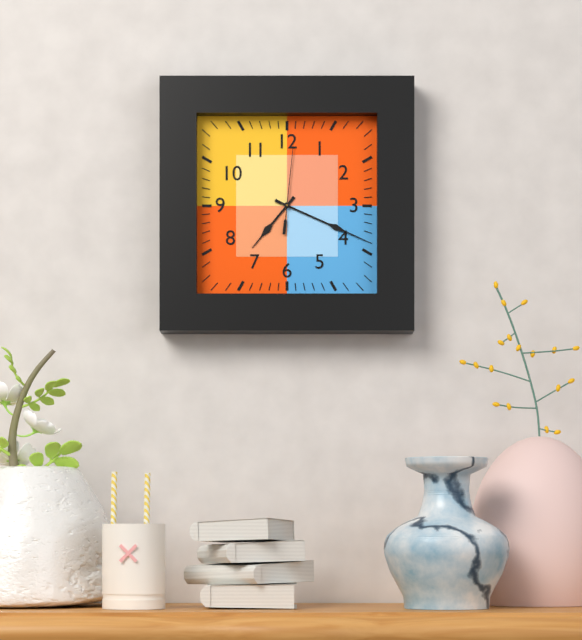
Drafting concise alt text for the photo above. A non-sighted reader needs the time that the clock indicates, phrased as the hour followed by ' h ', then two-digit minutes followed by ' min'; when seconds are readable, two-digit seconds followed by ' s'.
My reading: 7 h 19 min 01 s
